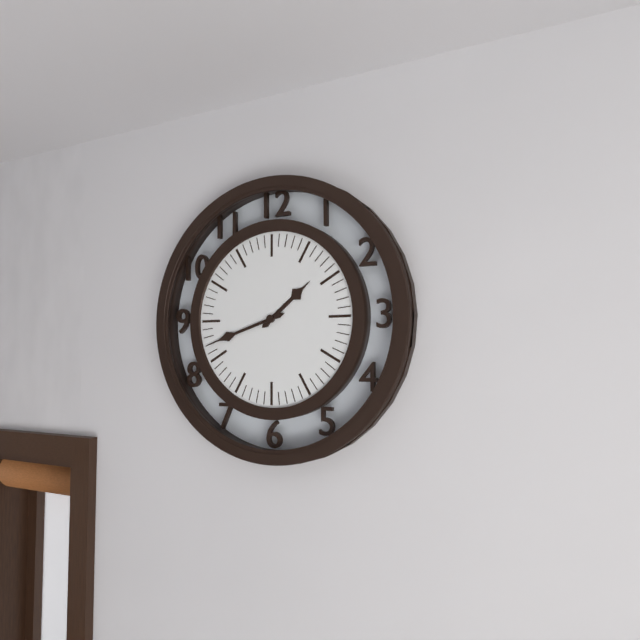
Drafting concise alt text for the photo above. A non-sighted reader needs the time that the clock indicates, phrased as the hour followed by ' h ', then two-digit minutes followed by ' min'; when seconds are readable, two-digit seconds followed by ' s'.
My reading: 1 h 42 min
